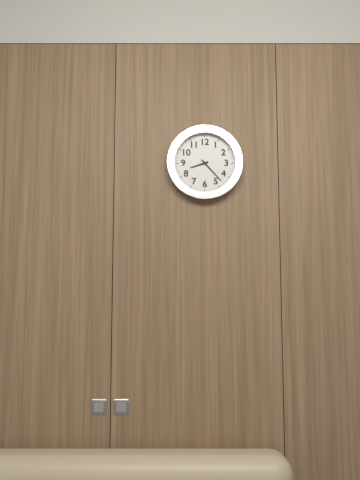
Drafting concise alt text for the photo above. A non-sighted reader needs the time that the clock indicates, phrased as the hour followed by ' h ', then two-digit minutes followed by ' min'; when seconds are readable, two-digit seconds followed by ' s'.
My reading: 8 h 23 min
